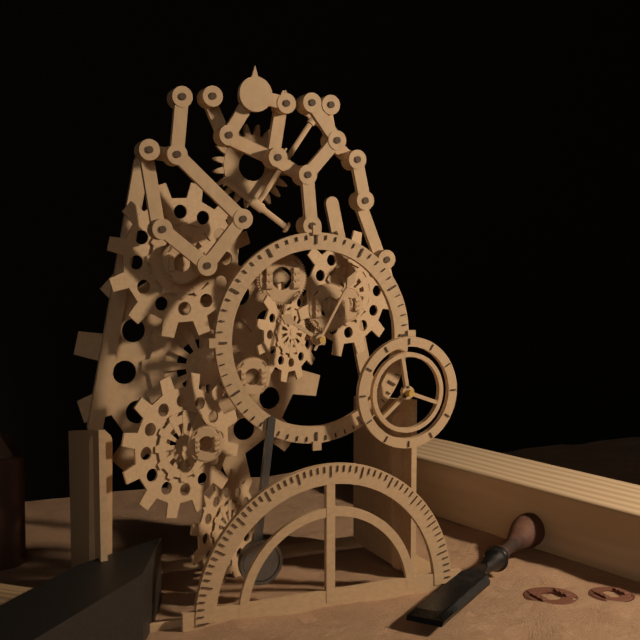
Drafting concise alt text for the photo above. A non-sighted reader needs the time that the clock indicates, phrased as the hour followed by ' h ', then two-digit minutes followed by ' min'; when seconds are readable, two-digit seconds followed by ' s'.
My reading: 10 h 05 min
